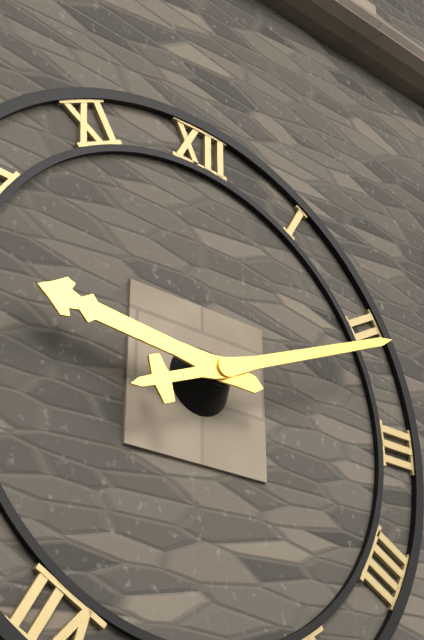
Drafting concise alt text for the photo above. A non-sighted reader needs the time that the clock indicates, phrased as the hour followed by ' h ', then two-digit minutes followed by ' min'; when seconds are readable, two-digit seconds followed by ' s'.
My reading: 9 h 11 min
